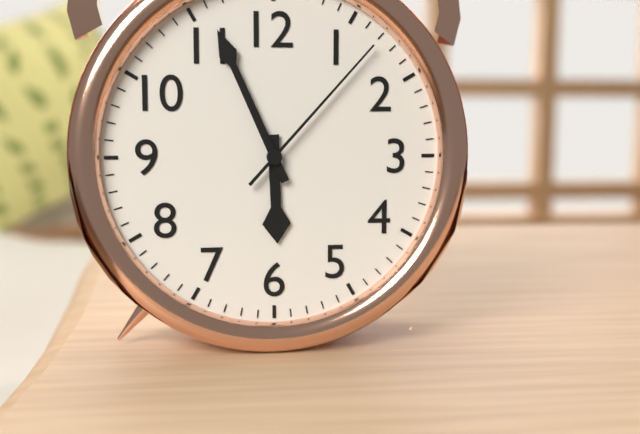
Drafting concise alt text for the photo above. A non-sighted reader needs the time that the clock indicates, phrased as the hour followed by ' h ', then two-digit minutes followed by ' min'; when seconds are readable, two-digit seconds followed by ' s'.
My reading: 5 h 56 min 07 s
